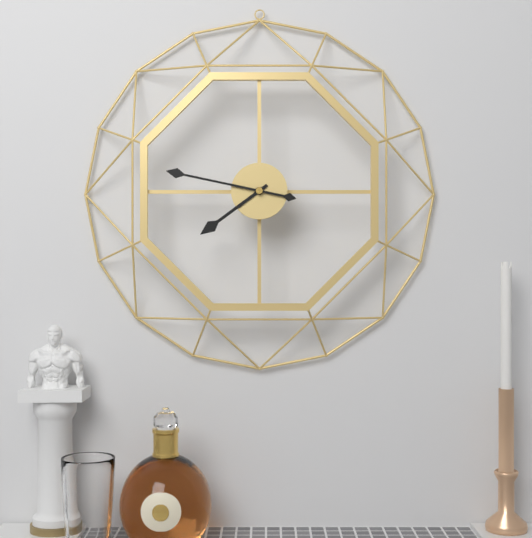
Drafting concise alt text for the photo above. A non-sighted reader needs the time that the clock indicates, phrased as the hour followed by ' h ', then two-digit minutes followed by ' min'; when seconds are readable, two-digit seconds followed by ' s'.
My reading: 7 h 47 min
